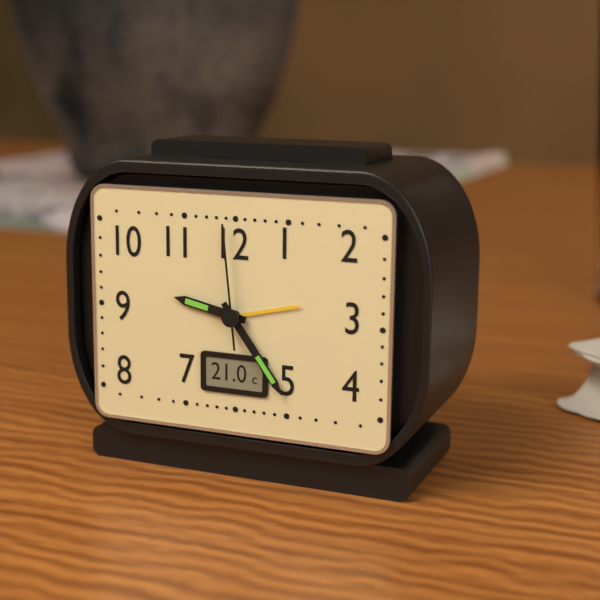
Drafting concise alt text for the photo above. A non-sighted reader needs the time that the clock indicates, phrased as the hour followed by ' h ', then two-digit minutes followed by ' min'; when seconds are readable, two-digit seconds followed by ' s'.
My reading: 9 h 24 min 59 s
